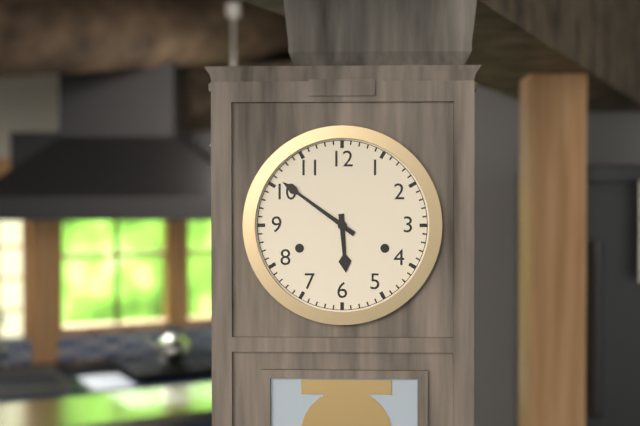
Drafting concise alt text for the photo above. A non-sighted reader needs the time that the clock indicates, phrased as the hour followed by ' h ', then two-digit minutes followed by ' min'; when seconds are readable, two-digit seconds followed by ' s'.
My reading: 5 h 51 min
